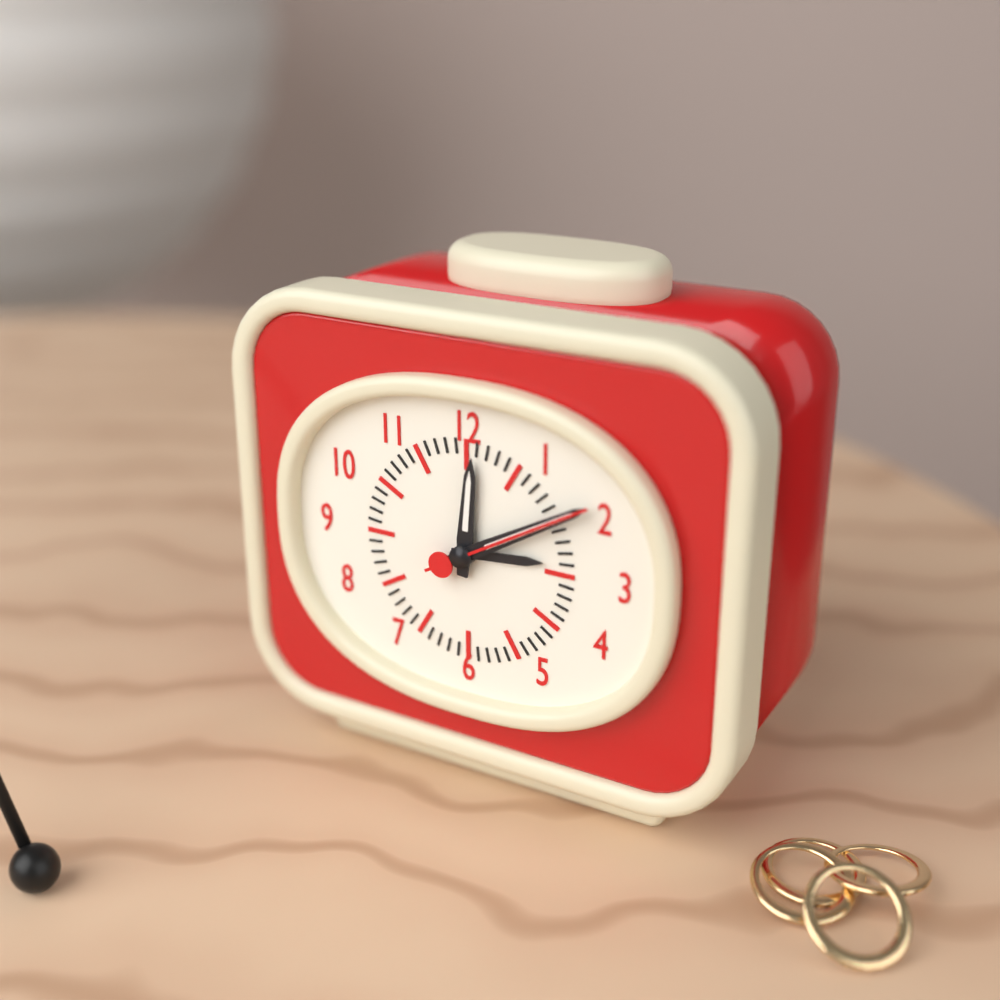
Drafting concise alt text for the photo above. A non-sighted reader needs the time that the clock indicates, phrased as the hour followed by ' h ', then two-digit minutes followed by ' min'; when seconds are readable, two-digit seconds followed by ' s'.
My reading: 12 h 10 min 10 s
